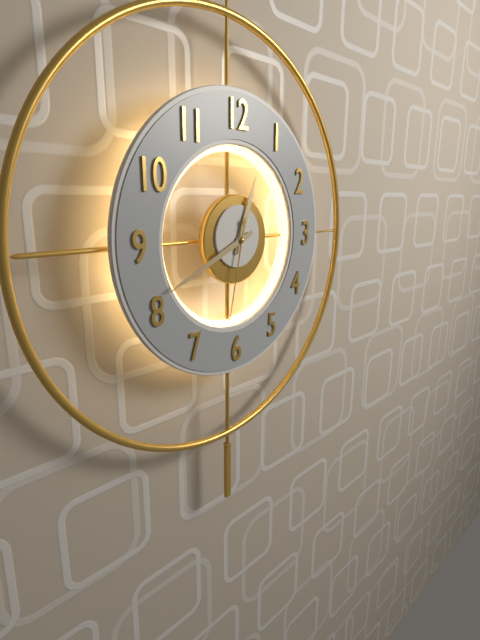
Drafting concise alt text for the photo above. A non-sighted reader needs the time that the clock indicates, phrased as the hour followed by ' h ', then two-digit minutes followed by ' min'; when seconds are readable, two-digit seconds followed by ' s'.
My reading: 12 h 41 min 32 s
